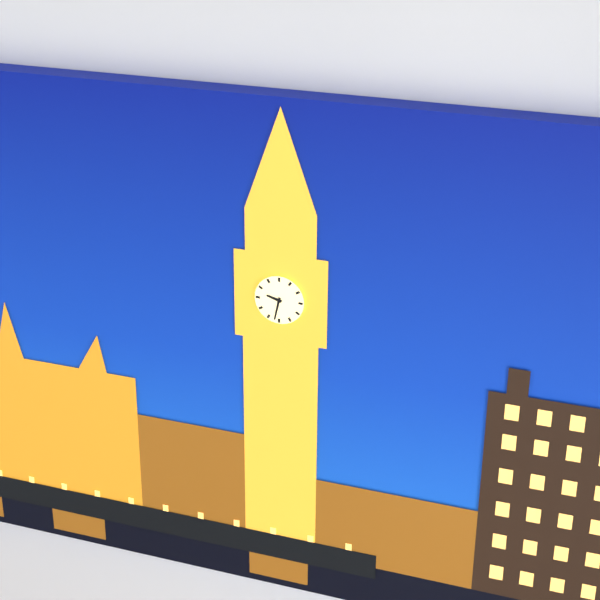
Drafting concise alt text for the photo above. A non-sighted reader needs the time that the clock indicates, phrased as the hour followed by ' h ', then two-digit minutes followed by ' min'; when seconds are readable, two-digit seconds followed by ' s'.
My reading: 9 h 32 min
